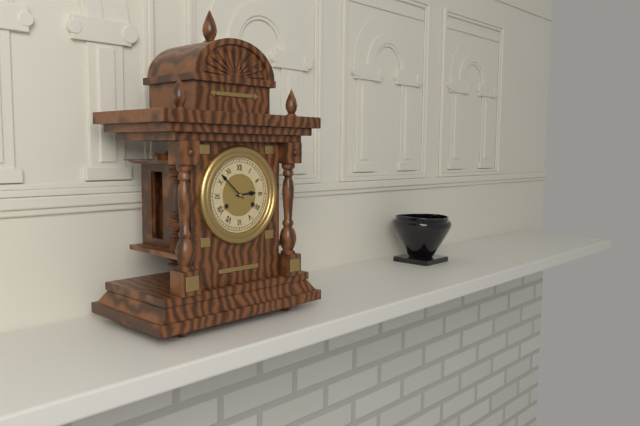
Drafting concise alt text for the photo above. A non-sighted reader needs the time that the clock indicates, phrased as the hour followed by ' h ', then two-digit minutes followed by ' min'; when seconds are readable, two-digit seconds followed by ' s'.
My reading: 2 h 52 min
